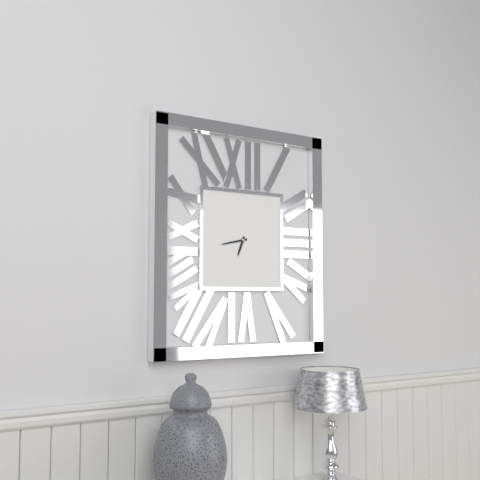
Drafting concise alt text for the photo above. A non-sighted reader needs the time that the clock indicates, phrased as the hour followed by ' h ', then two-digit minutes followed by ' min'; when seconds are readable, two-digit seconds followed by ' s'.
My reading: 6 h 43 min
